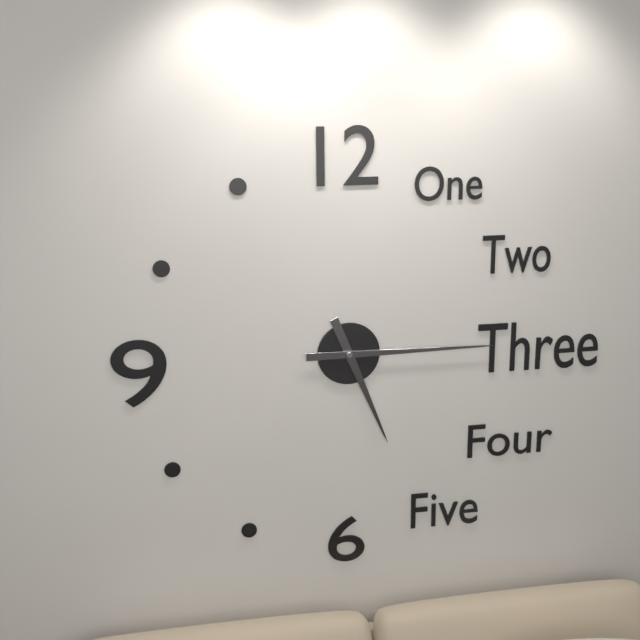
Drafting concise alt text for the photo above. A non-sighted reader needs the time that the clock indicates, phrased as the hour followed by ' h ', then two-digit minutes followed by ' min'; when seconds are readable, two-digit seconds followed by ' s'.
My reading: 5 h 15 min
